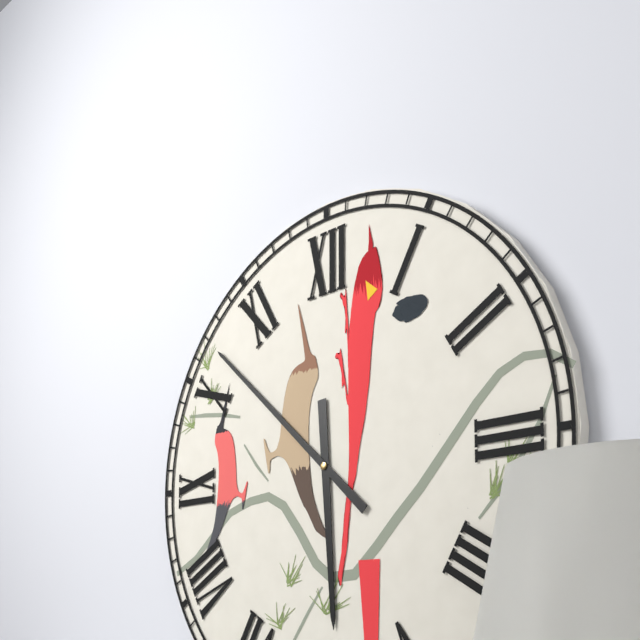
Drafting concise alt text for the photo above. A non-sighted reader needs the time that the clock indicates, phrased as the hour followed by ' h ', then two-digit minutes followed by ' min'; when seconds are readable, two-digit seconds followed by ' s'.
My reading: 5 h 52 min
